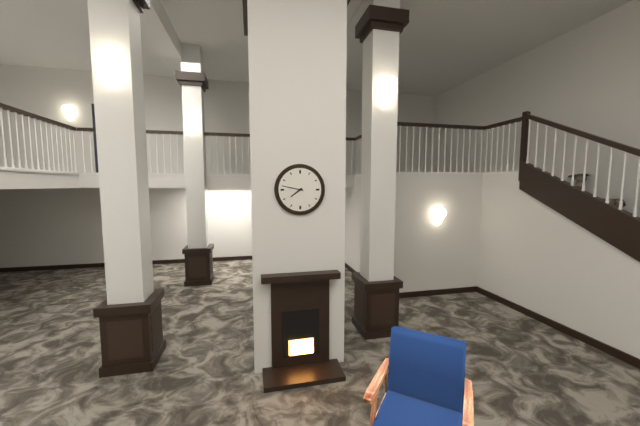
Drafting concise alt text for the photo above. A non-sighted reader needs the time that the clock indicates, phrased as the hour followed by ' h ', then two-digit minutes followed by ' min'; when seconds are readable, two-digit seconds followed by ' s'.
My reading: 7 h 47 min
